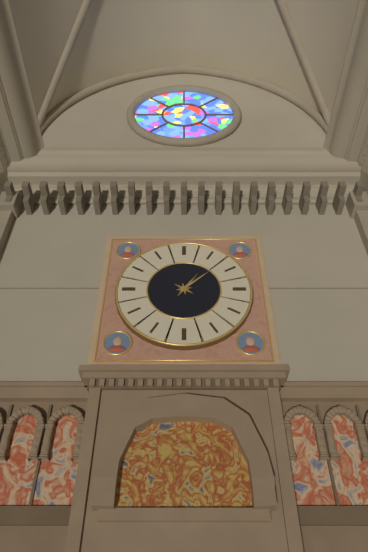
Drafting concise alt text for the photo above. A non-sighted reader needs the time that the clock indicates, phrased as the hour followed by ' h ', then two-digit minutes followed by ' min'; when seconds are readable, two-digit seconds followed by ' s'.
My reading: 1 h 08 min
